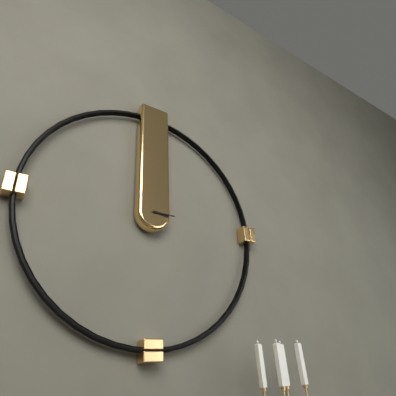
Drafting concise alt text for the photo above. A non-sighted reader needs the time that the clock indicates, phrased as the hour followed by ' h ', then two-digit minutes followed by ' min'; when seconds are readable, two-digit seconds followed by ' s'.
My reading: 3 h 15 min
